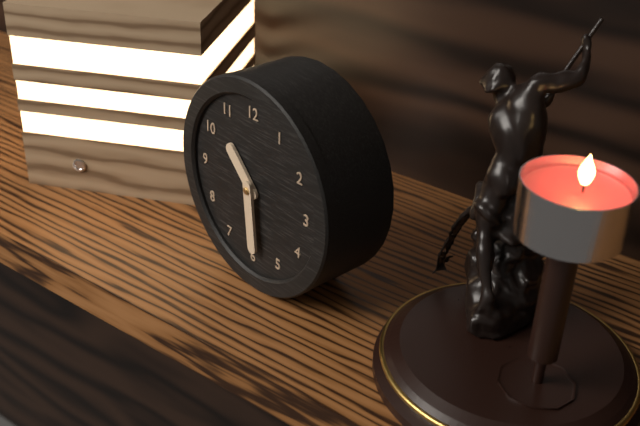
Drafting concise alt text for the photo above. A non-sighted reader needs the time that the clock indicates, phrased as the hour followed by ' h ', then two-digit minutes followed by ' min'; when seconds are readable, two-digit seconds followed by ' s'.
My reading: 10 h 29 min
